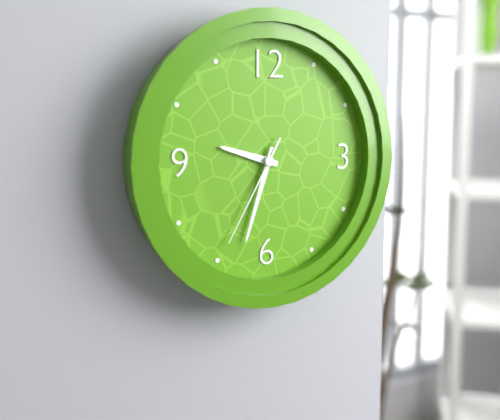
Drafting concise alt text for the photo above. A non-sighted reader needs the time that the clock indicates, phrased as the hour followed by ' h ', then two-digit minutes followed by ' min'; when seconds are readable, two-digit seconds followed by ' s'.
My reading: 9 h 33 min 35 s
